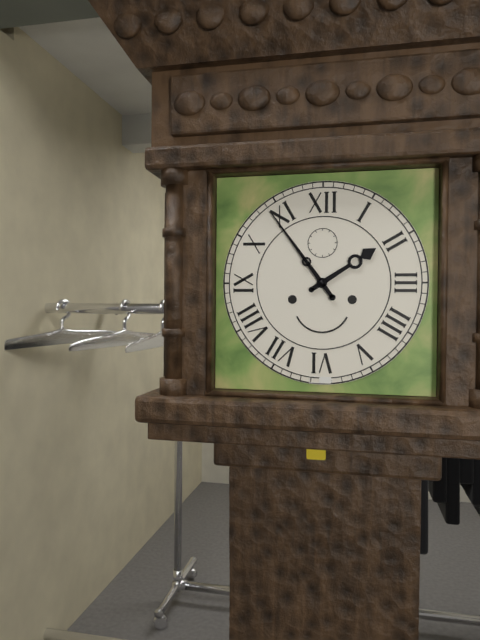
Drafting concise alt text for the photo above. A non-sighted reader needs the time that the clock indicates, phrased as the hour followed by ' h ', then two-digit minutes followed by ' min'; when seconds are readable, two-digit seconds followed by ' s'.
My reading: 1 h 54 min
